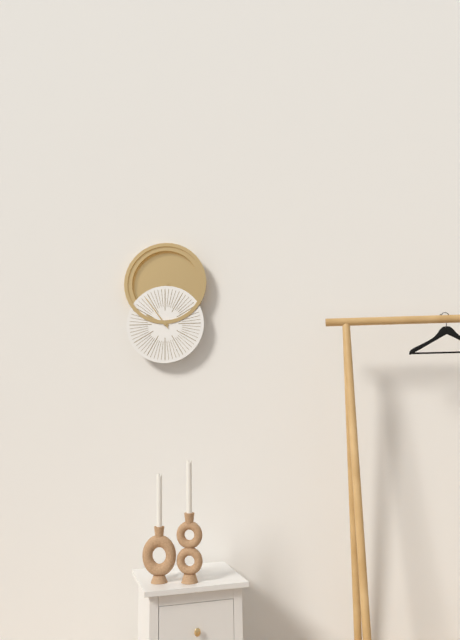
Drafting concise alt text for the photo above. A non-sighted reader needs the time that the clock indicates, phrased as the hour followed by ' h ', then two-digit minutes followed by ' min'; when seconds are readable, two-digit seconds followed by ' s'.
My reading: 9 h 54 min
